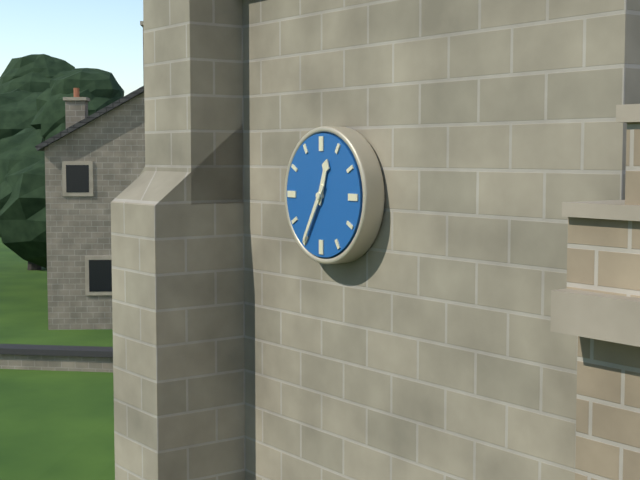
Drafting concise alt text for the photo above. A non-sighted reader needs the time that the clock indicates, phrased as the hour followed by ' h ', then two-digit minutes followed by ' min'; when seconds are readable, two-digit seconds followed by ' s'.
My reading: 12 h 35 min
